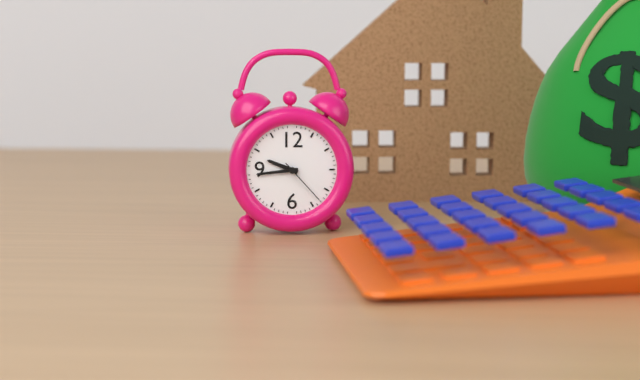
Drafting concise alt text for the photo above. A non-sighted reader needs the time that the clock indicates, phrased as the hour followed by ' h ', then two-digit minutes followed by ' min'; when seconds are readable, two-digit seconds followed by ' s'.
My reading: 9 h 44 min 23 s
